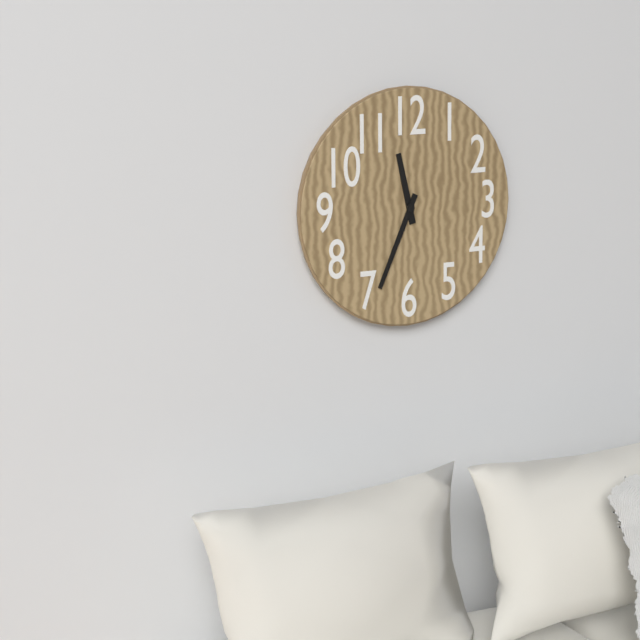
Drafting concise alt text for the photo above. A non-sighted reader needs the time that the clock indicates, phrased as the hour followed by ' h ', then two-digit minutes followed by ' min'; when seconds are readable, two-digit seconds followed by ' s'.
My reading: 11 h 34 min
